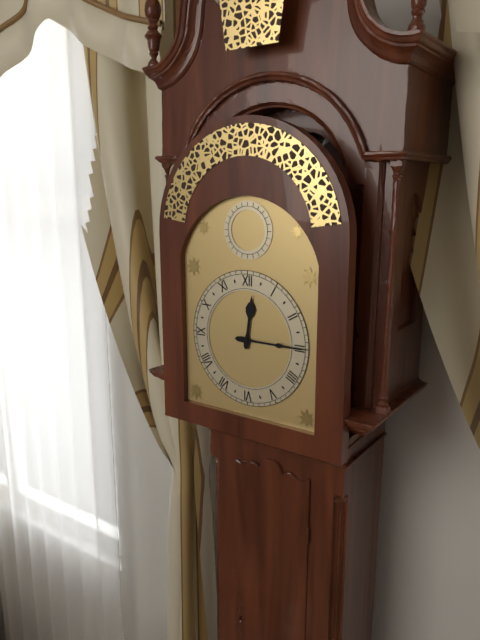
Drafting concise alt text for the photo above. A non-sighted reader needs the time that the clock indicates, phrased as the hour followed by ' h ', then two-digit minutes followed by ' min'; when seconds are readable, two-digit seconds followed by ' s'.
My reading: 12 h 15 min
